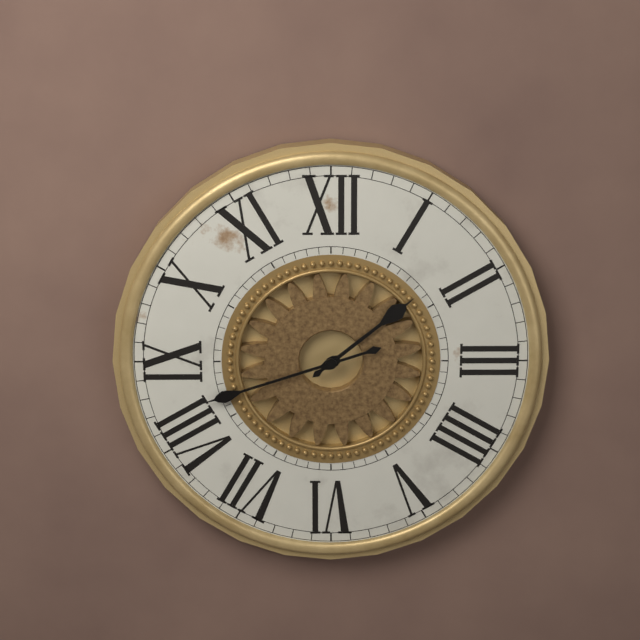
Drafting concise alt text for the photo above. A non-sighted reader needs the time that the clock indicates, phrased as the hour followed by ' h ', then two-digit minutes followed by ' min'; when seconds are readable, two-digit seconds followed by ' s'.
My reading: 1 h 42 min
